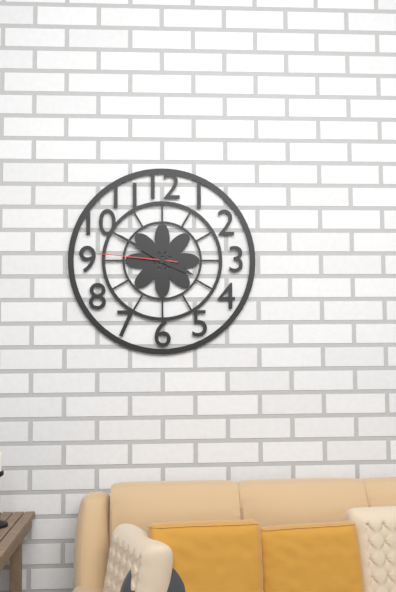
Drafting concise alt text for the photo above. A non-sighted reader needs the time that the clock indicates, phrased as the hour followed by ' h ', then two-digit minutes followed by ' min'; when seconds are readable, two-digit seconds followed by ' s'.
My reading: 3 h 50 min 46 s
